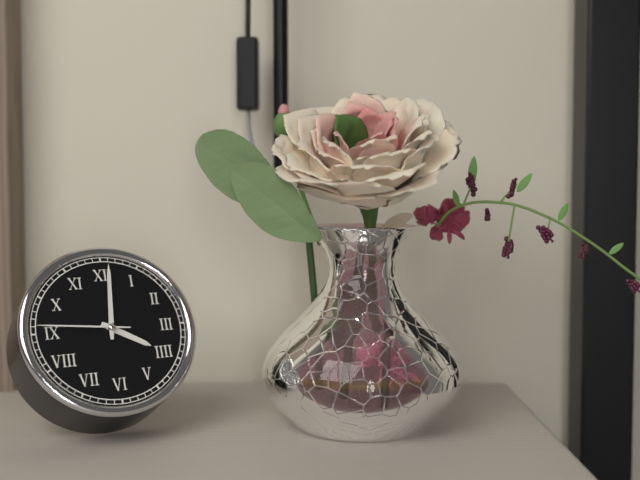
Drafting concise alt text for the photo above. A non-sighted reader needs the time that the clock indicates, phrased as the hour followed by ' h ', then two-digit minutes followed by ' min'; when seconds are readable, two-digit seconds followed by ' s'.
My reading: 4 h 01 min 46 s
